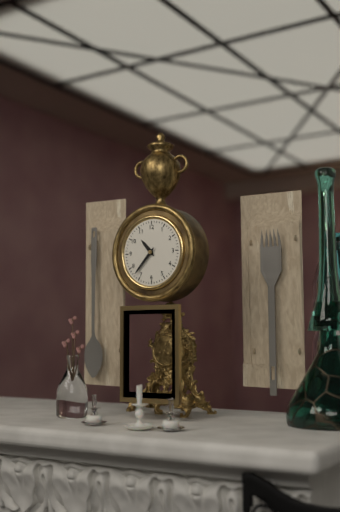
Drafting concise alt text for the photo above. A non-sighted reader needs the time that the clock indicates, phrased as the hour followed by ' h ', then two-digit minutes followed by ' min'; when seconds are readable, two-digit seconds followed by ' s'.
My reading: 10 h 37 min
